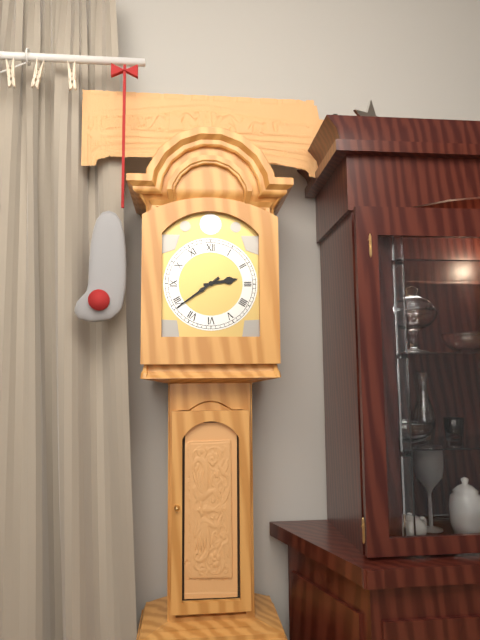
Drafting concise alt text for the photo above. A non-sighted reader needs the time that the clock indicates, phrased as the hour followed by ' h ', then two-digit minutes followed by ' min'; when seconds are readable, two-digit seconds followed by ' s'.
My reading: 2 h 39 min
